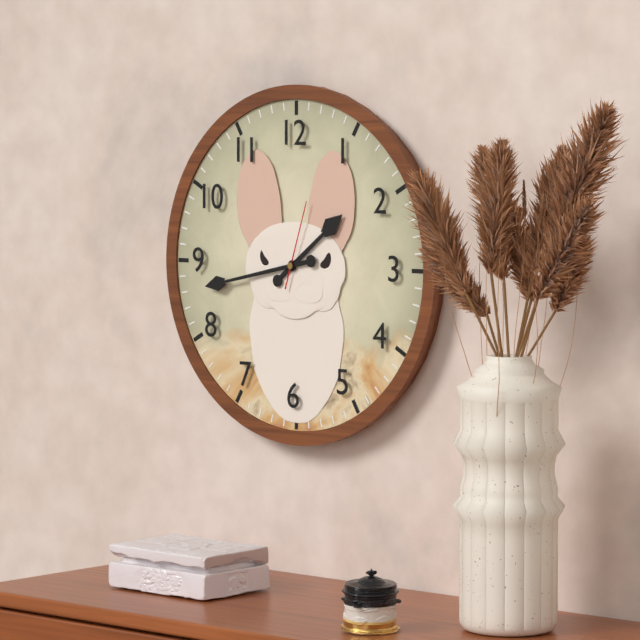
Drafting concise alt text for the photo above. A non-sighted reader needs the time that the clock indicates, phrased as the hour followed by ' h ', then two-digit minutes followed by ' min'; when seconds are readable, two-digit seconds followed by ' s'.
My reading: 1 h 43 min 03 s
